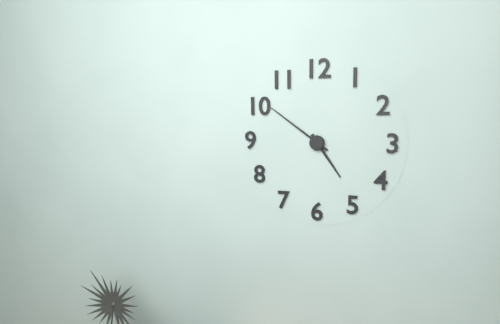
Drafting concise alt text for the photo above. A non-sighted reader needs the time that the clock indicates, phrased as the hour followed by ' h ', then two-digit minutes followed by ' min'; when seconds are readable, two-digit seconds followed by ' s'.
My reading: 4 h 51 min
